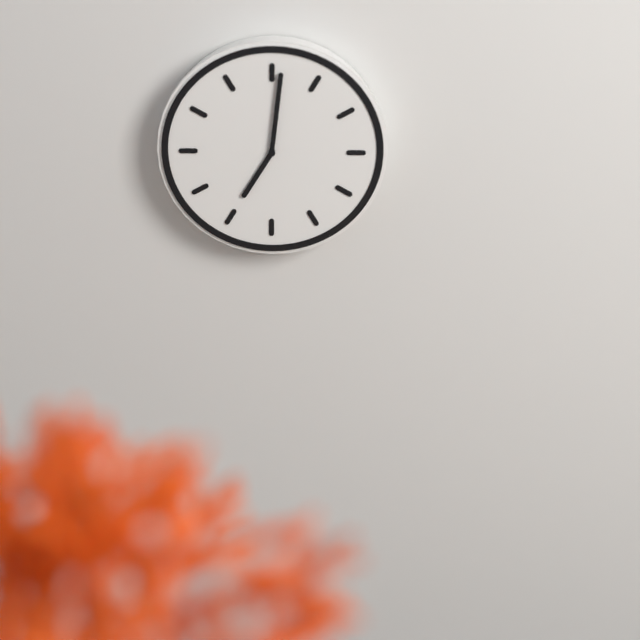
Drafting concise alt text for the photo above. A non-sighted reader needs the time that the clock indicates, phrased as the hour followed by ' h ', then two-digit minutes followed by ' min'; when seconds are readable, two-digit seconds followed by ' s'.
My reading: 7 h 01 min
